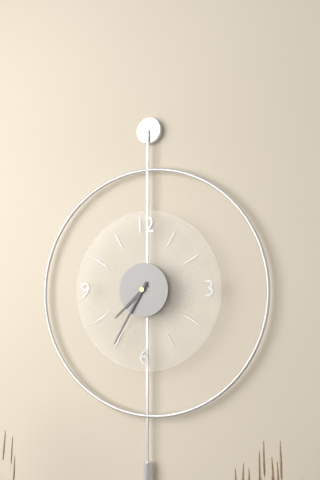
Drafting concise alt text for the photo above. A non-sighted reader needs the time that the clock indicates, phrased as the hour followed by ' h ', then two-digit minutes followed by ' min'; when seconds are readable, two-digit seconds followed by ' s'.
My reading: 7 h 35 min
